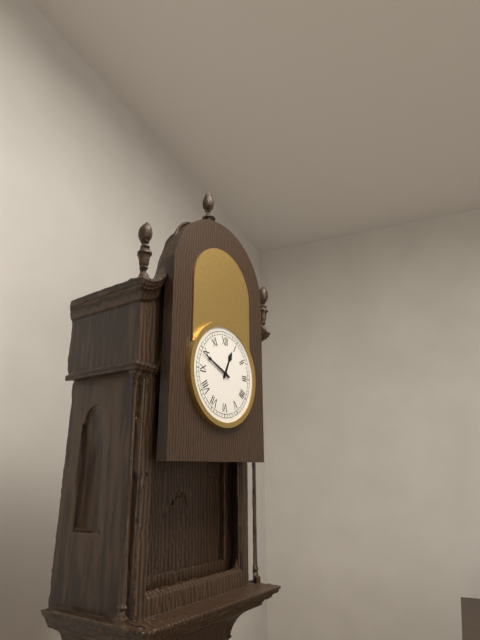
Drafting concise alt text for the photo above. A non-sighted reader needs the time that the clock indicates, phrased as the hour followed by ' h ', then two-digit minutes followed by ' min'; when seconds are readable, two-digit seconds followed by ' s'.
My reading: 12 h 49 min
